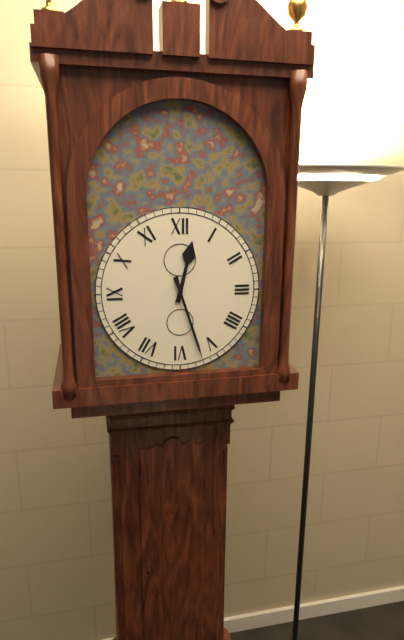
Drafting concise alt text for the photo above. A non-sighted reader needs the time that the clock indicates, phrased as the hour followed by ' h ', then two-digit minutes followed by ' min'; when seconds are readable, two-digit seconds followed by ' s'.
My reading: 12 h 27 min
